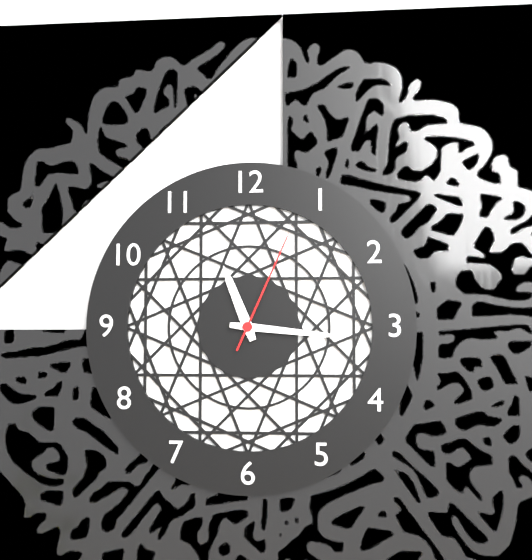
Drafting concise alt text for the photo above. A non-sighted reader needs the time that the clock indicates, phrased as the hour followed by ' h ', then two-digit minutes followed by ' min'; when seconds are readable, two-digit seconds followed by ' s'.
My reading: 11 h 16 min 04 s
